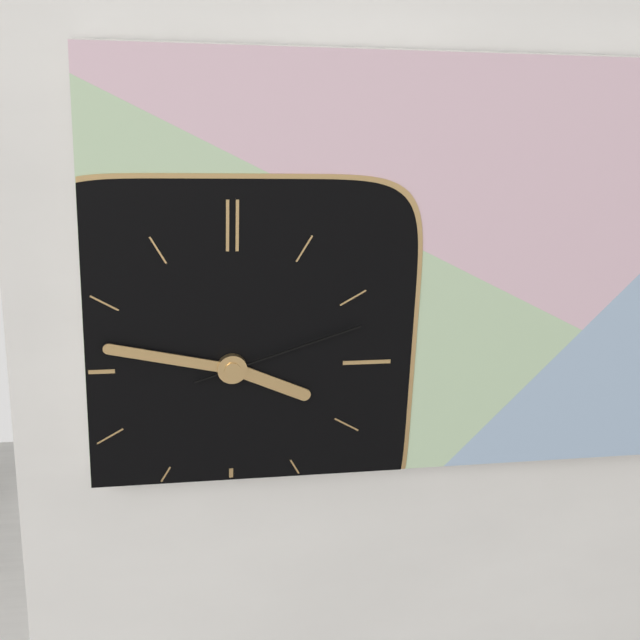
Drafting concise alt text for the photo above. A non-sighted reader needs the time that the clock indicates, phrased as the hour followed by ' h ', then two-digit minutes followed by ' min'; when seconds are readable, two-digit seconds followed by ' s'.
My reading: 3 h 47 min 12 s
